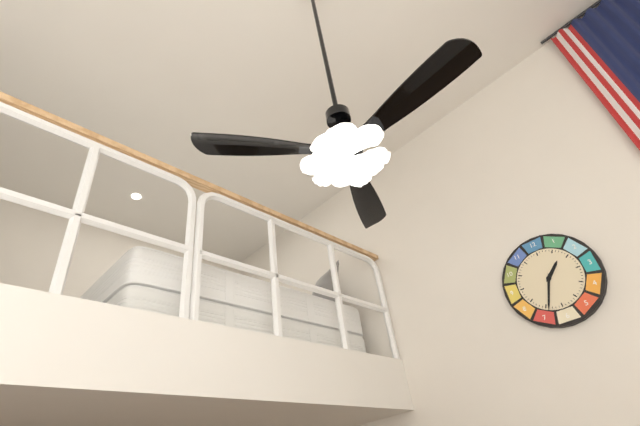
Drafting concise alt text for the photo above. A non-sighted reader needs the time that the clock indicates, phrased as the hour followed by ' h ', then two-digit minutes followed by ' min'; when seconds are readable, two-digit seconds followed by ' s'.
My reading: 1 h 34 min
